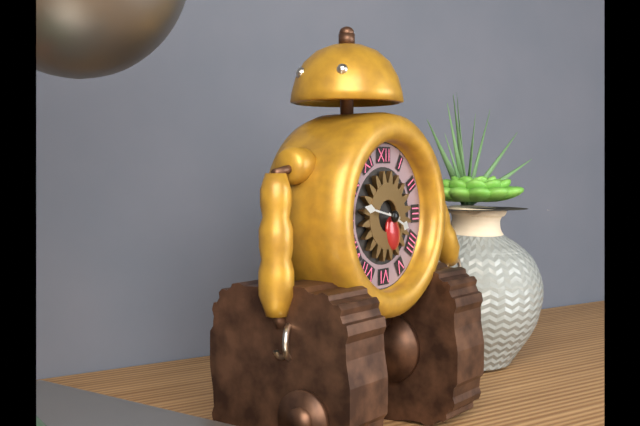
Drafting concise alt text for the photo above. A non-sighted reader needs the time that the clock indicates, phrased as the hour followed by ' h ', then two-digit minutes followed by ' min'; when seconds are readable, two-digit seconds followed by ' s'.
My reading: 3 h 47 min
